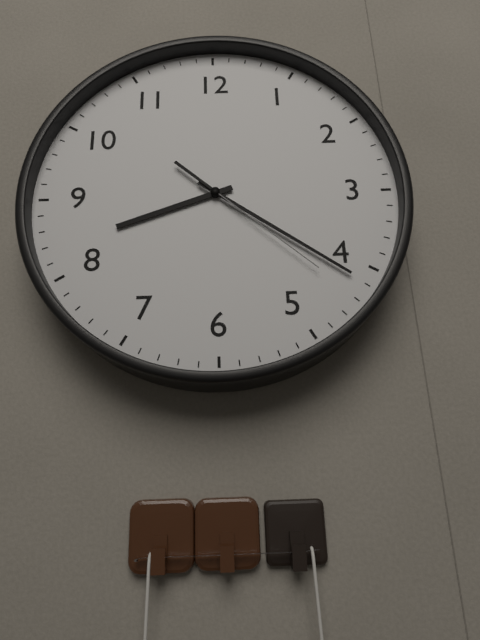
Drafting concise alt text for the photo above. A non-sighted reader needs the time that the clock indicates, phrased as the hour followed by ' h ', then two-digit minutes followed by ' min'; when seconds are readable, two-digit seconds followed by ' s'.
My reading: 8 h 21 min 22 s
